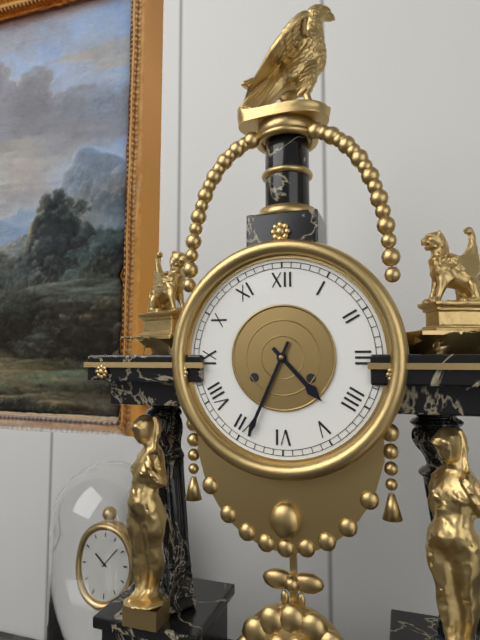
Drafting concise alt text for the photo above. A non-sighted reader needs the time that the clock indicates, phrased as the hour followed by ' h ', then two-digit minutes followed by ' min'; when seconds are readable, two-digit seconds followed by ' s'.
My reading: 4 h 34 min
